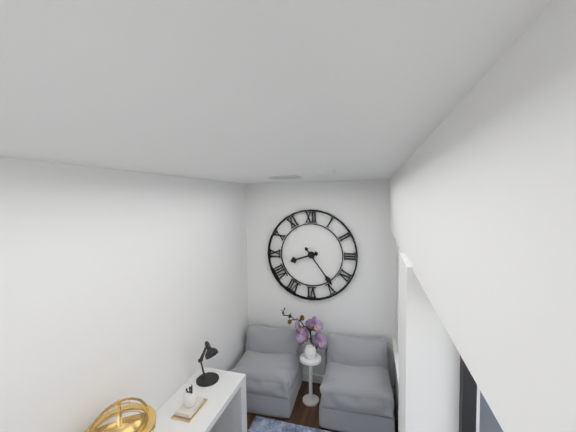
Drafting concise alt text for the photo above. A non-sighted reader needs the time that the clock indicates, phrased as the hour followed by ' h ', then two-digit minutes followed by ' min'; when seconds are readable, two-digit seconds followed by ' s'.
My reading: 8 h 24 min
